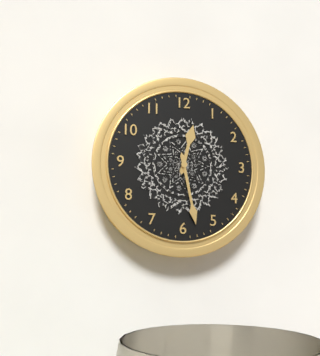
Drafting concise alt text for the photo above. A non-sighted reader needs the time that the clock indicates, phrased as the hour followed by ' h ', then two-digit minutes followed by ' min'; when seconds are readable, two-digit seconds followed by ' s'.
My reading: 12 h 28 min
